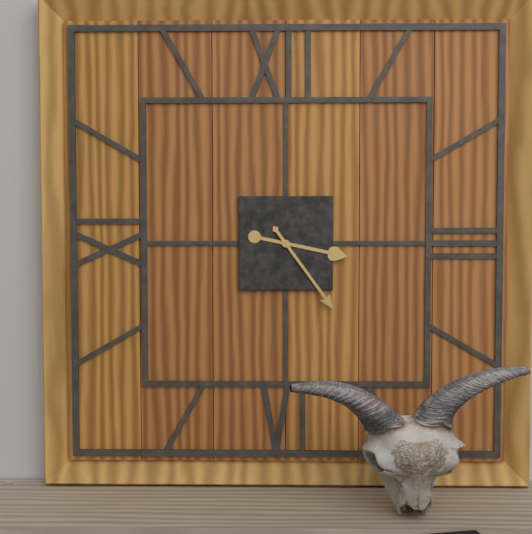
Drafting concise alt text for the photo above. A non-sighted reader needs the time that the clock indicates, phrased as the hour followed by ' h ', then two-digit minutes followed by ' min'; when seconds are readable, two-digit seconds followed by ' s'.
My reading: 3 h 24 min
